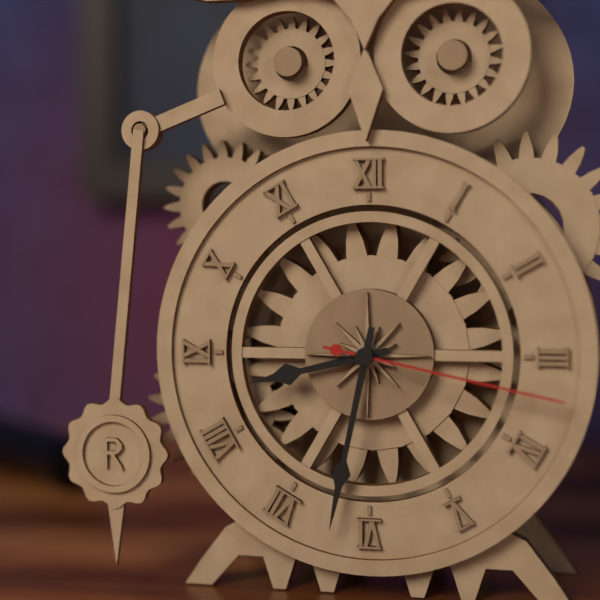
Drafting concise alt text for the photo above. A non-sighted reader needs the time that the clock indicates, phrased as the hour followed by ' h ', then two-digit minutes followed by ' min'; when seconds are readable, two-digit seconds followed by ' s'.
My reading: 8 h 32 min 17 s
